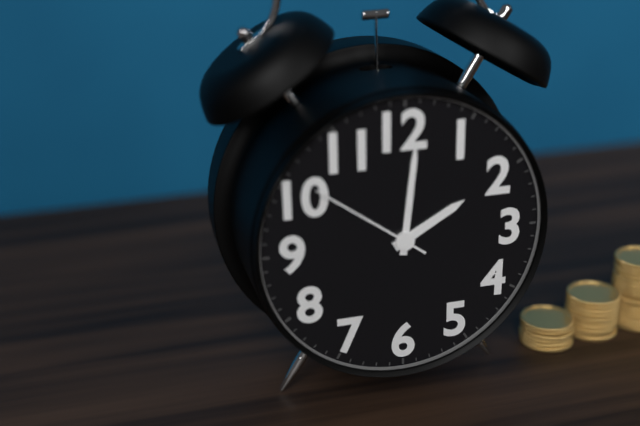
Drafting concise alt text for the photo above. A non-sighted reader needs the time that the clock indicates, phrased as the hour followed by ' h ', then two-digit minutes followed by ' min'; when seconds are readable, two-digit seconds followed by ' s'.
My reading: 2 h 01 min 51 s
